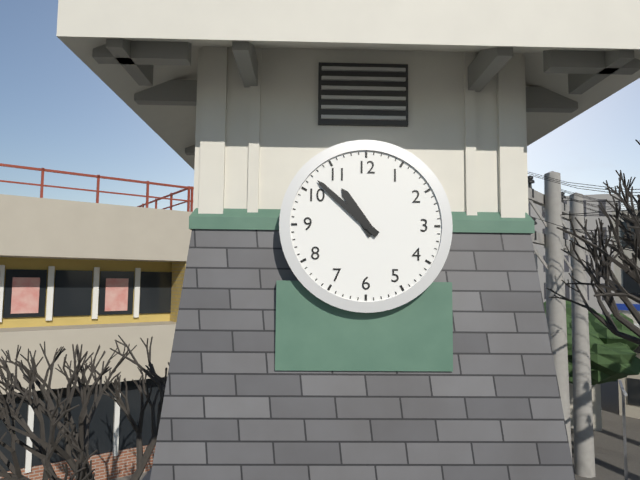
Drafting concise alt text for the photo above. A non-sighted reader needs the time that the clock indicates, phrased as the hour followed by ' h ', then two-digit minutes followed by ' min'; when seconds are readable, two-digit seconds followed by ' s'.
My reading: 10 h 52 min
